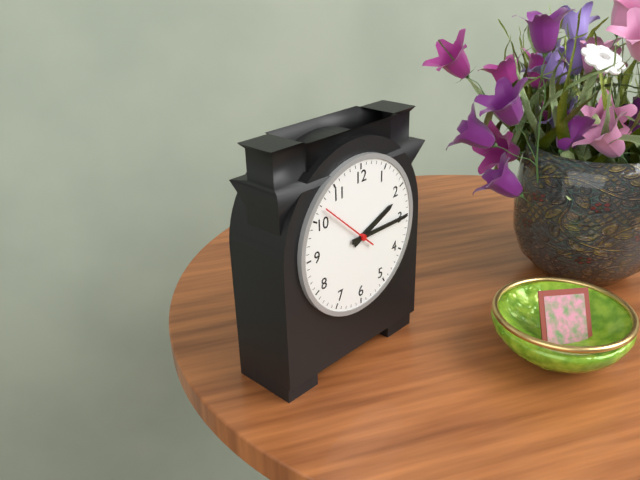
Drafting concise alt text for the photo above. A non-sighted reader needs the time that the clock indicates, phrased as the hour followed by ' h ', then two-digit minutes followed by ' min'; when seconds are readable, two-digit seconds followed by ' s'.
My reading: 2 h 15 min 52 s
